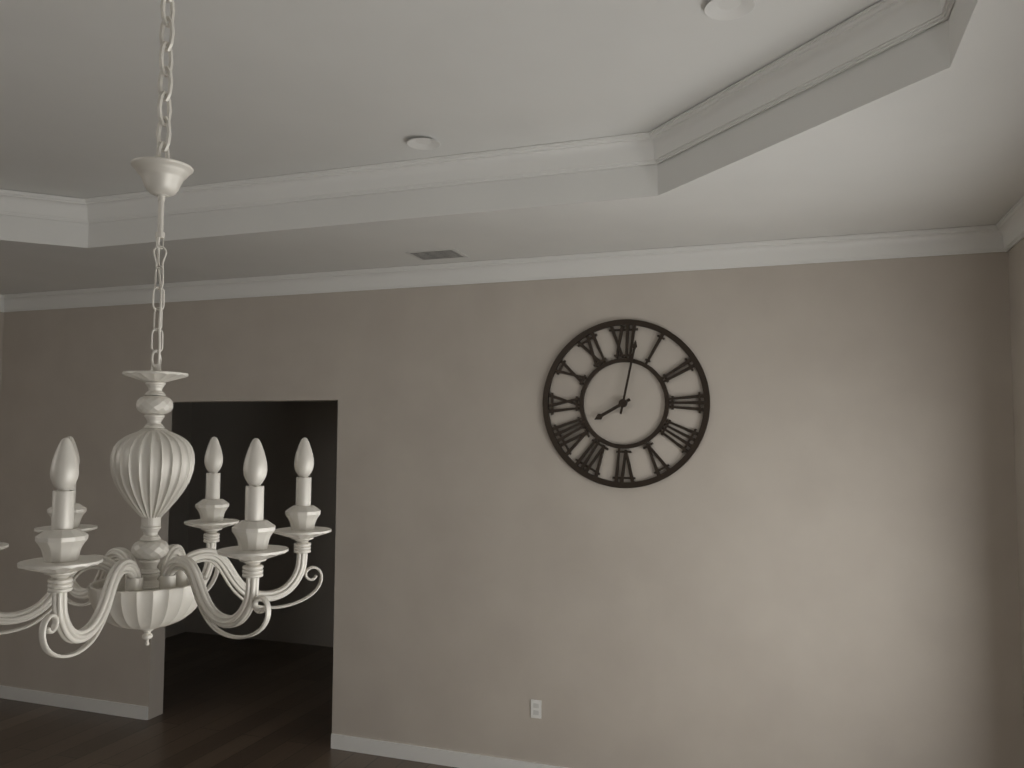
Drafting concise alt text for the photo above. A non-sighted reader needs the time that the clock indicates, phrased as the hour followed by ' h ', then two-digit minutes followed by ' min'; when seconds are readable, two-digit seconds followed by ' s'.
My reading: 8 h 02 min
